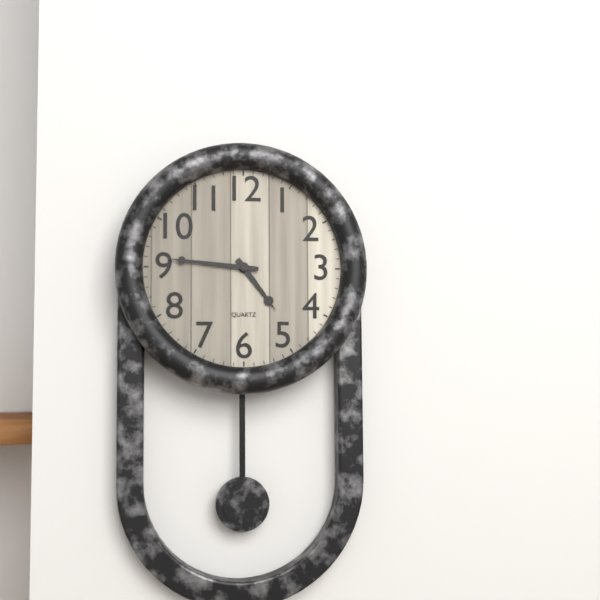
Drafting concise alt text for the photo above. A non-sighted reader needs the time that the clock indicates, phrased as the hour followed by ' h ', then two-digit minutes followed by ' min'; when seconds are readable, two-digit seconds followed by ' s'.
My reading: 4 h 46 min
